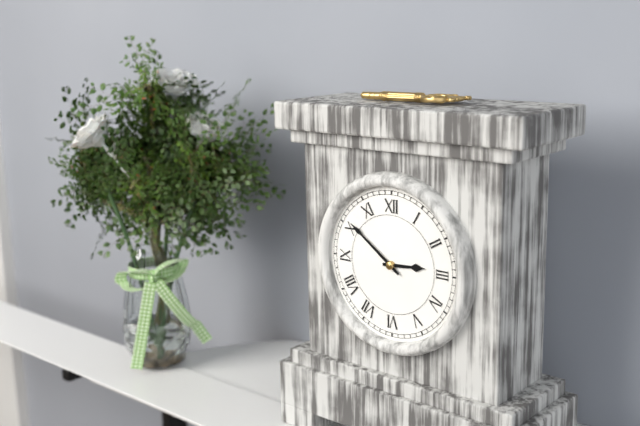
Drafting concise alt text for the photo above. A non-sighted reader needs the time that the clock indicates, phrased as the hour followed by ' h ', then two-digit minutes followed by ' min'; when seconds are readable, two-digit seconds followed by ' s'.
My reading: 2 h 51 min
